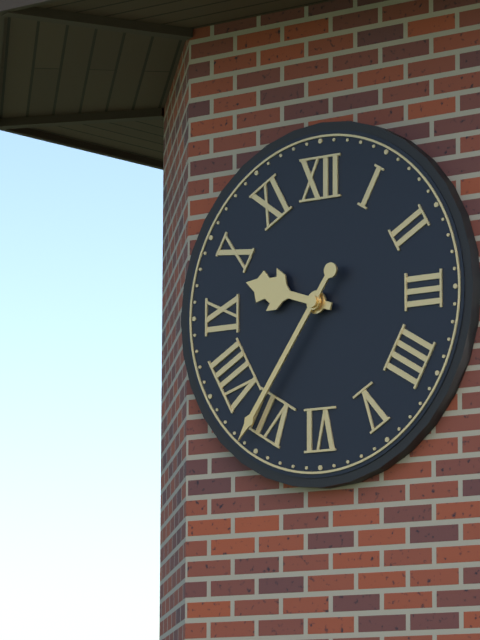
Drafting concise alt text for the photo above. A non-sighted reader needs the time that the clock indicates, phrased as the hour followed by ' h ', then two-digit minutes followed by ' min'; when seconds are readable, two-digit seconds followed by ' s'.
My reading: 9 h 36 min
